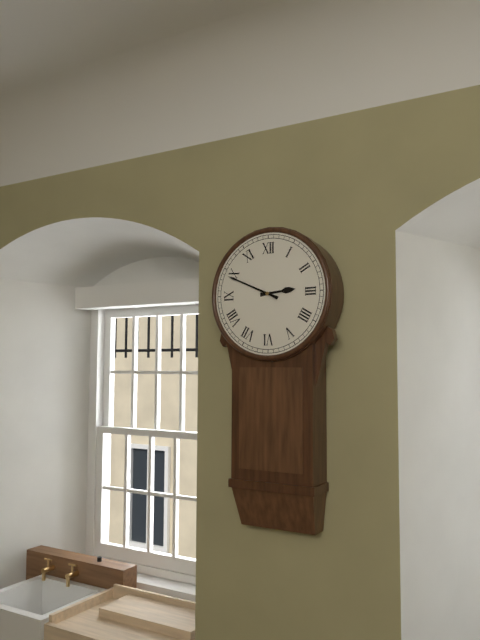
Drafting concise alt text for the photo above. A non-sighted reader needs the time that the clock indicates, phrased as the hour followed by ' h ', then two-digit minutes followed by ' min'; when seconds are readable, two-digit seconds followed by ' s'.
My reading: 2 h 49 min
